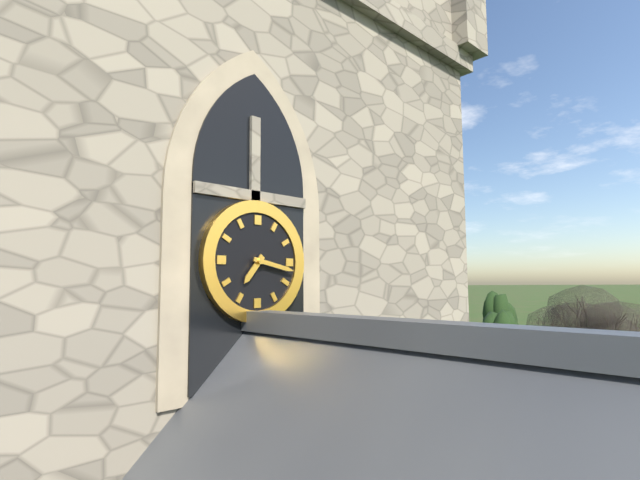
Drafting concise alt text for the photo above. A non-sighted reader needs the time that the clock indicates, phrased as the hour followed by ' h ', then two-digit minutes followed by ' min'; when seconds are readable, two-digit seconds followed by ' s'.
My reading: 7 h 17 min
